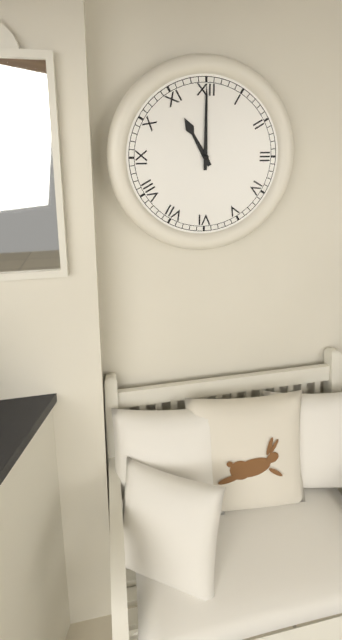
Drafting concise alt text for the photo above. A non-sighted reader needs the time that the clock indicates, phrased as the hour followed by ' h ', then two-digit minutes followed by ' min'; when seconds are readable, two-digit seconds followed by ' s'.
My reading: 11 h 00 min
